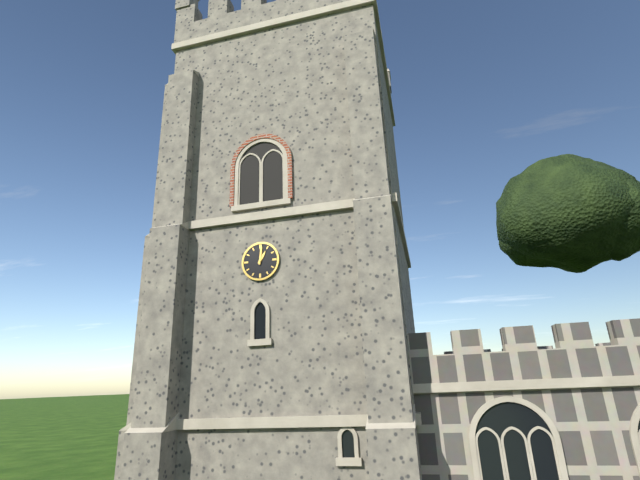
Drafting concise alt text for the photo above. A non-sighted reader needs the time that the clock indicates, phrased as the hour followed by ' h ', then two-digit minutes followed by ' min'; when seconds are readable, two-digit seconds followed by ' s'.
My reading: 1 h 01 min
